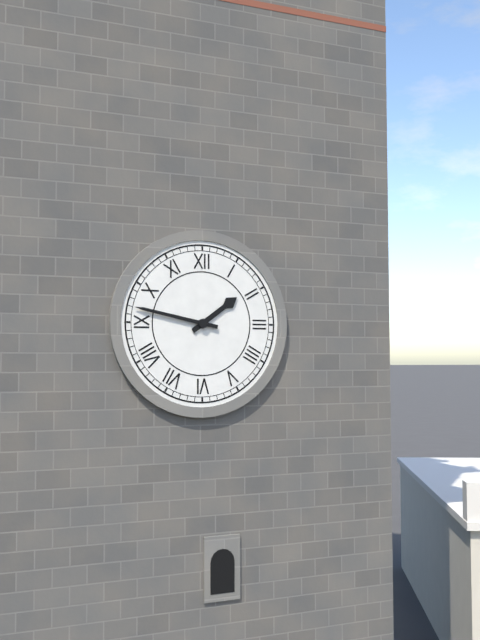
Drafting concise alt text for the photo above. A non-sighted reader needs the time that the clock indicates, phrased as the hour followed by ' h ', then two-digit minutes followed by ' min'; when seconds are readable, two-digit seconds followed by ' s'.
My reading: 1 h 47 min
